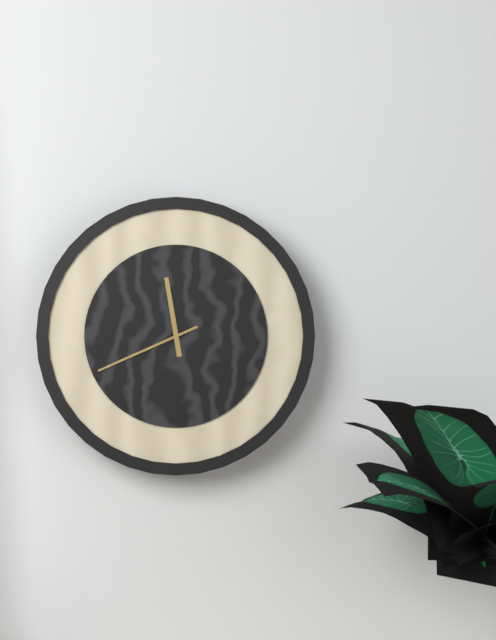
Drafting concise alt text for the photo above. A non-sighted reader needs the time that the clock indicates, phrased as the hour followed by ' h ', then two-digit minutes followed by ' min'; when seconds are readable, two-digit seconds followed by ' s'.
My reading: 11 h 41 min
